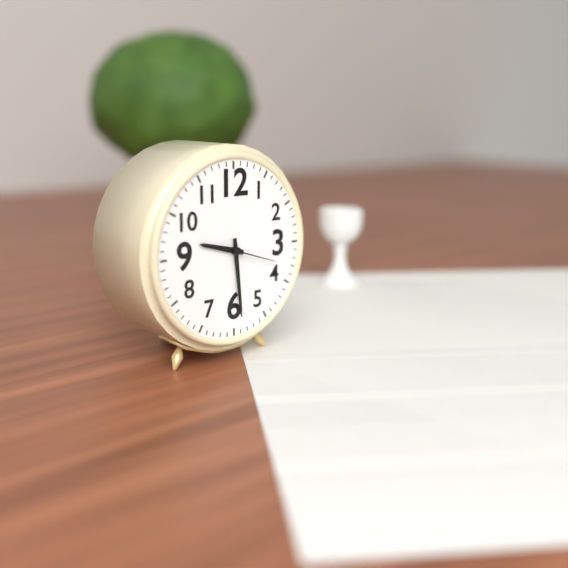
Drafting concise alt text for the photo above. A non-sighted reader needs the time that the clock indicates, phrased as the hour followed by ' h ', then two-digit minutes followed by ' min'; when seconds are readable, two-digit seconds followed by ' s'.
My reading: 9 h 29 min 18 s
